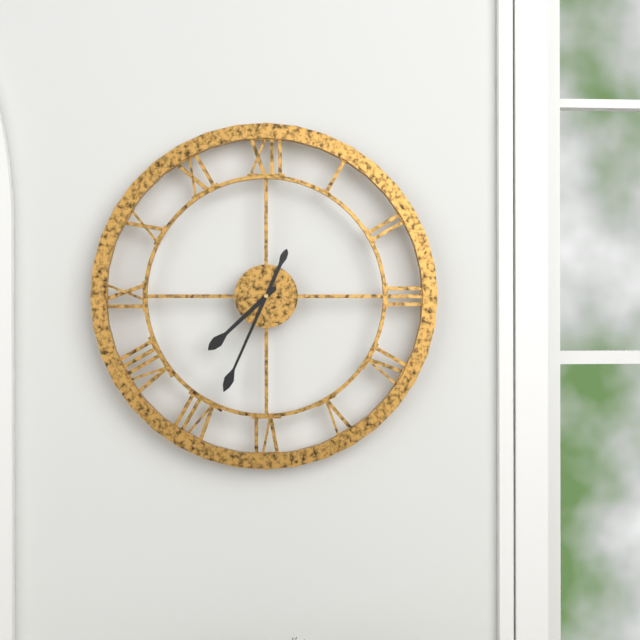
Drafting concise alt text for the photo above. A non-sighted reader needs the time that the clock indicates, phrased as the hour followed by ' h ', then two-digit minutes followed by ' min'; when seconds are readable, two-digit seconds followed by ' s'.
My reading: 7 h 34 min
